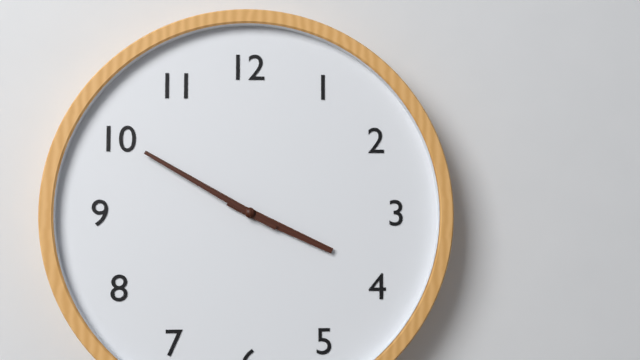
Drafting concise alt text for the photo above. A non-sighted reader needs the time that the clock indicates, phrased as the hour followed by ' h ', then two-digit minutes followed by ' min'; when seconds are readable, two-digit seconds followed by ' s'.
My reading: 3 h 50 min
